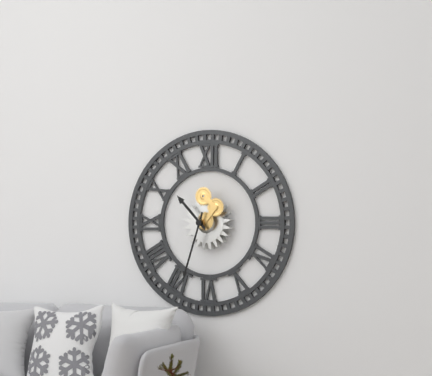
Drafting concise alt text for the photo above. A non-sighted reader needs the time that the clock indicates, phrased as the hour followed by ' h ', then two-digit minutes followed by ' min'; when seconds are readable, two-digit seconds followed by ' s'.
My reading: 10 h 33 min
